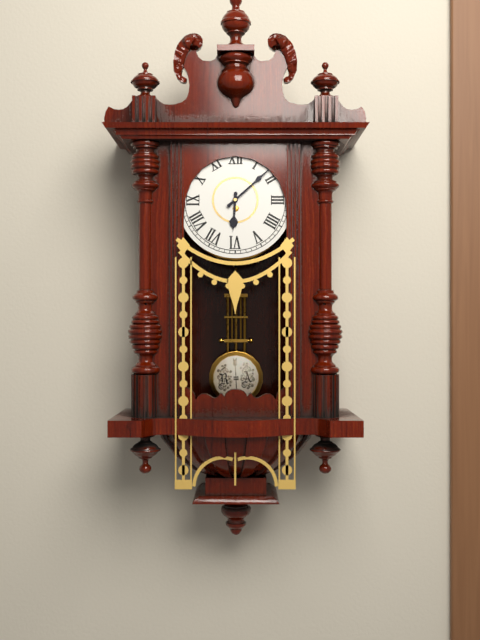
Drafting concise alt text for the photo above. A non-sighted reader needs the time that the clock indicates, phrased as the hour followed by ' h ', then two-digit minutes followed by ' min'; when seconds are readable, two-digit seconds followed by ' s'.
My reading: 6 h 08 min
